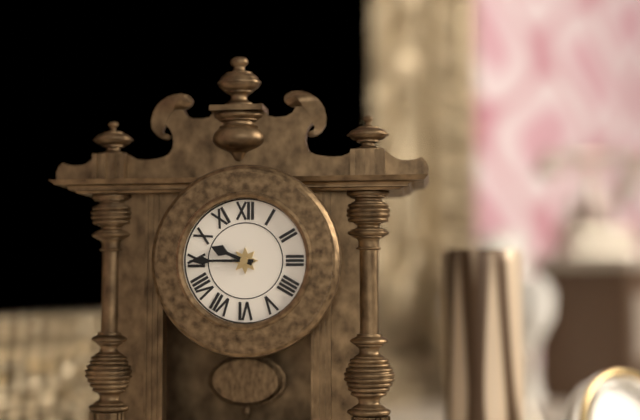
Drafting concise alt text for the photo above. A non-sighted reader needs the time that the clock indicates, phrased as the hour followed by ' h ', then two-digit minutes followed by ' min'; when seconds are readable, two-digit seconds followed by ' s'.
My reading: 9 h 45 min
